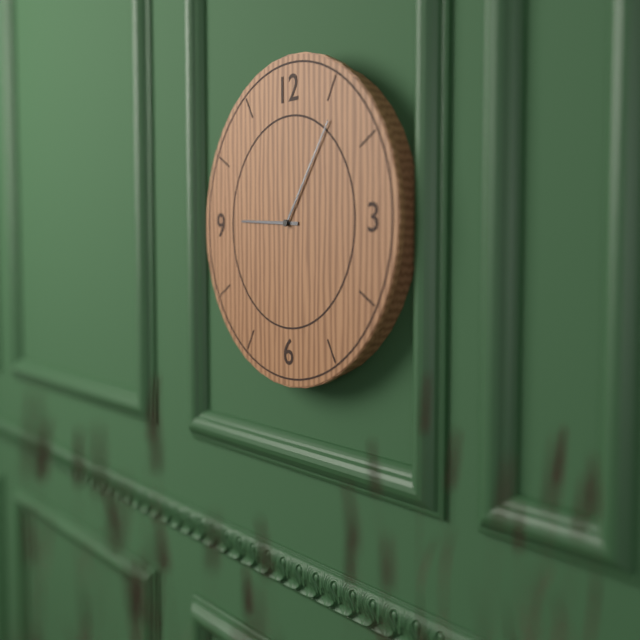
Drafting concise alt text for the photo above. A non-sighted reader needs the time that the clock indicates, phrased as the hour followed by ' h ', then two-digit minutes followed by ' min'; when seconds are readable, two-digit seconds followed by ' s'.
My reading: 9 h 06 min
